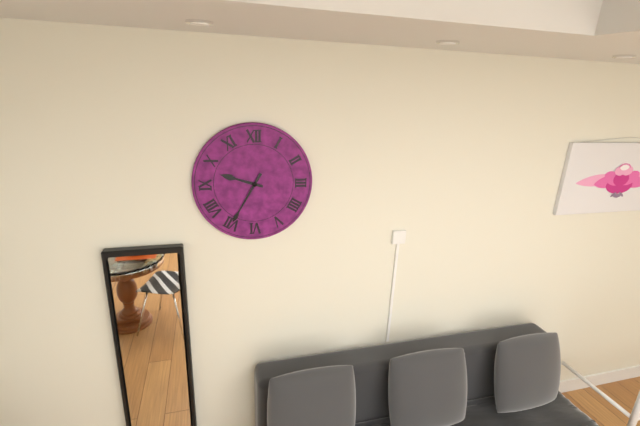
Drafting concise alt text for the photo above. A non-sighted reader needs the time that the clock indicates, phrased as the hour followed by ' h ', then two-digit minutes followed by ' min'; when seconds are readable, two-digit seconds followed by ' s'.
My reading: 9 h 35 min
